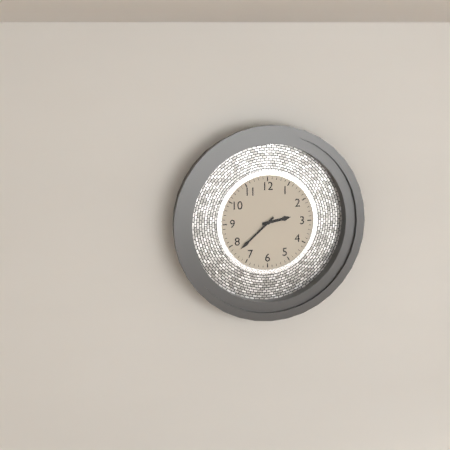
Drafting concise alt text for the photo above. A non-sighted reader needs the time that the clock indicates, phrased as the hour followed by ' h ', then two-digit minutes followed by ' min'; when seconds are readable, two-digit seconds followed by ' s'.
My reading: 2 h 38 min
